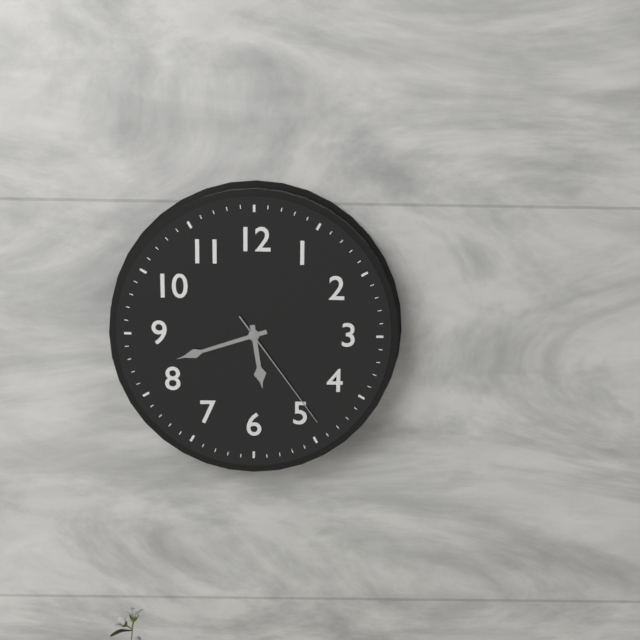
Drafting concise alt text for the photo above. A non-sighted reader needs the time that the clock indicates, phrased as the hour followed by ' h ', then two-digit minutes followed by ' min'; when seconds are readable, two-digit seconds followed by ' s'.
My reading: 5 h 42 min 24 s
